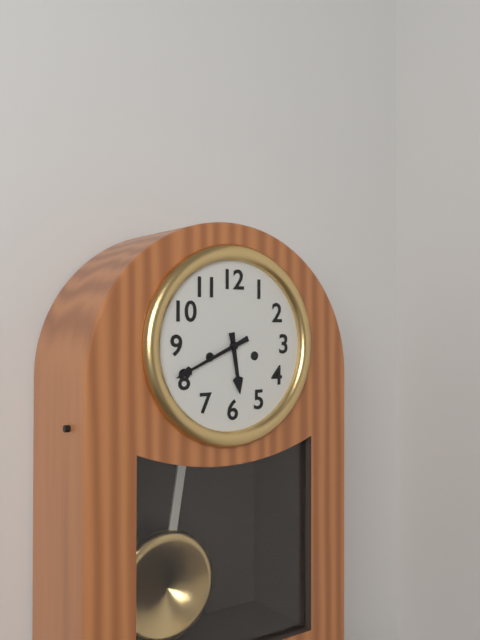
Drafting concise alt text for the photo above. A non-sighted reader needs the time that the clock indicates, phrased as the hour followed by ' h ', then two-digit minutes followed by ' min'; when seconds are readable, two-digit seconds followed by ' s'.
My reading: 5 h 41 min
